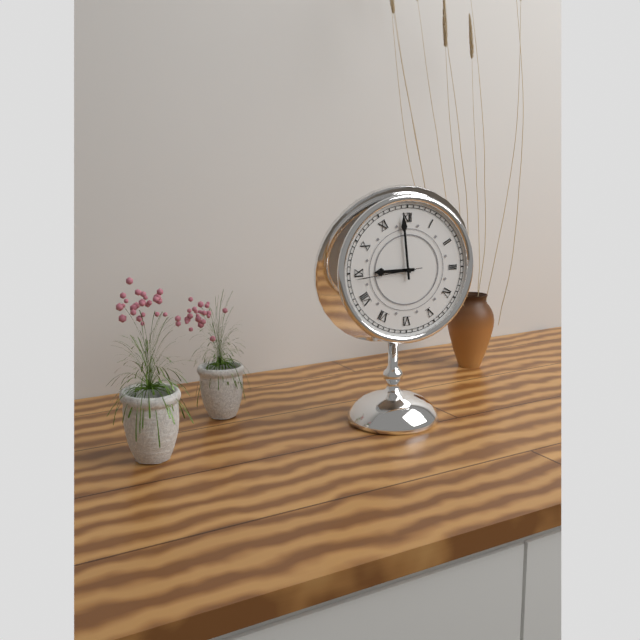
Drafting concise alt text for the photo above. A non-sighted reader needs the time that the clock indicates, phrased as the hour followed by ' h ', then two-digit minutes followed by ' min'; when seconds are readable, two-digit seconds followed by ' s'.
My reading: 8 h 59 min 44 s
